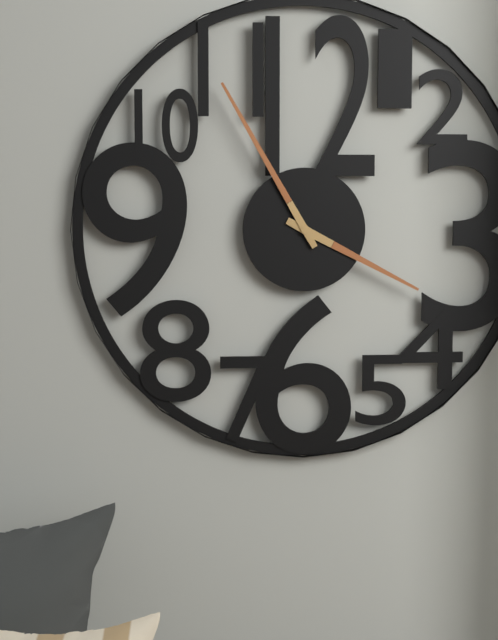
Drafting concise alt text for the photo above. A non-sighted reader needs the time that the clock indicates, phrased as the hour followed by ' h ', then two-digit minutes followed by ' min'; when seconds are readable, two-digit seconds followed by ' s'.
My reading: 3 h 55 min
